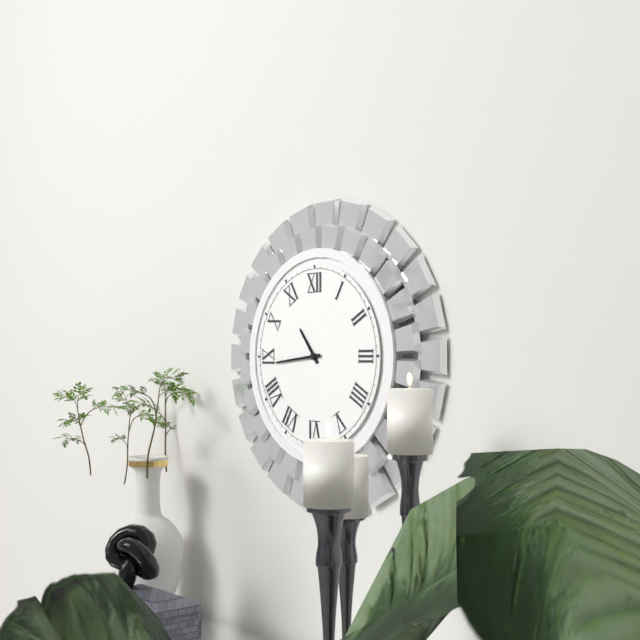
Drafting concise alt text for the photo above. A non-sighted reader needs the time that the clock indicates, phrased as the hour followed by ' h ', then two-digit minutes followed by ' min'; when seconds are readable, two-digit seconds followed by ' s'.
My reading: 10 h 44 min
